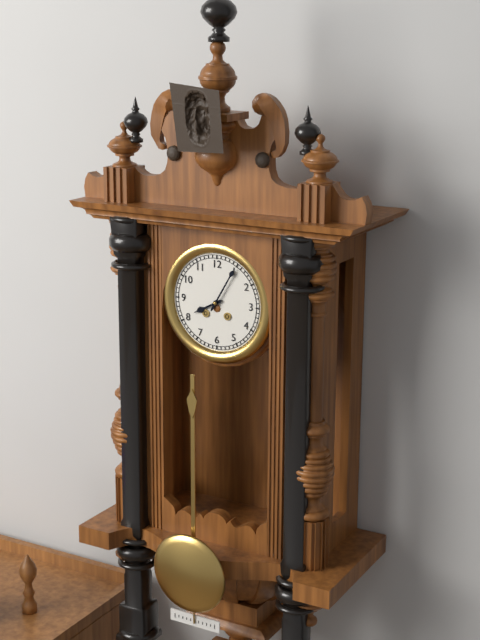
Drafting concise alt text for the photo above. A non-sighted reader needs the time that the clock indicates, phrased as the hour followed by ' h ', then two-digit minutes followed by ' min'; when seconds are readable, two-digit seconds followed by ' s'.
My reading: 8 h 05 min
